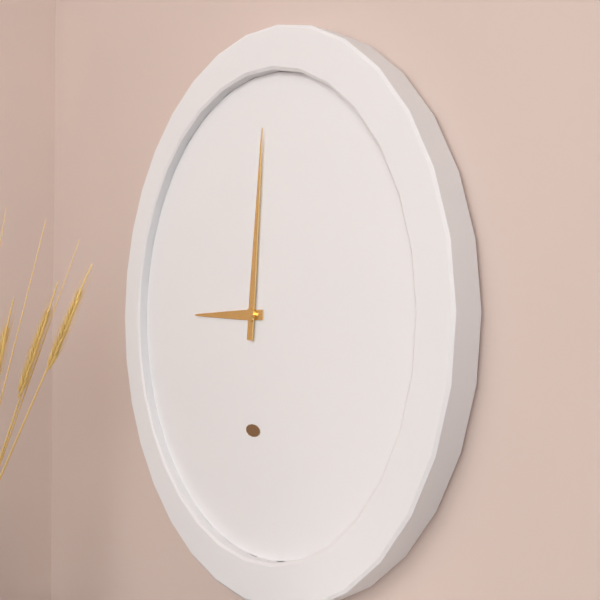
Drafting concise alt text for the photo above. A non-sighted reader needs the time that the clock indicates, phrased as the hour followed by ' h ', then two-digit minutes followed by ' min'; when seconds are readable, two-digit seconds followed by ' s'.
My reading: 9 h 01 min
